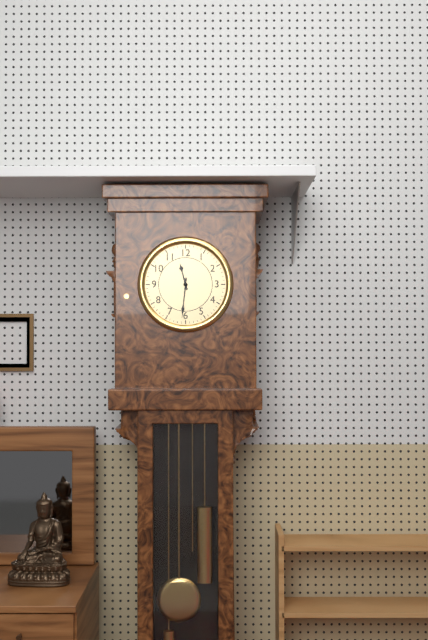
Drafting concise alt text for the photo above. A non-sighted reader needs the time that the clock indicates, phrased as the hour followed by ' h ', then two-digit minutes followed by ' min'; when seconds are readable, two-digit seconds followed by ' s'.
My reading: 11 h 31 min
